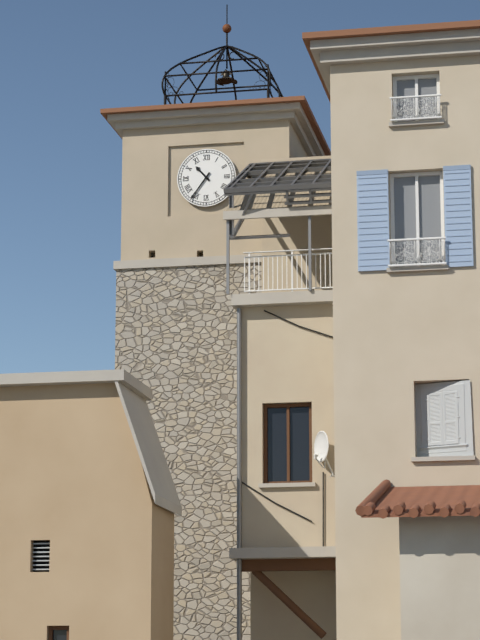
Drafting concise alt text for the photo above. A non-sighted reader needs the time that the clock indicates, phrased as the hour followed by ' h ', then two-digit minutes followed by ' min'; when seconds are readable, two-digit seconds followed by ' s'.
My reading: 10 h 36 min
